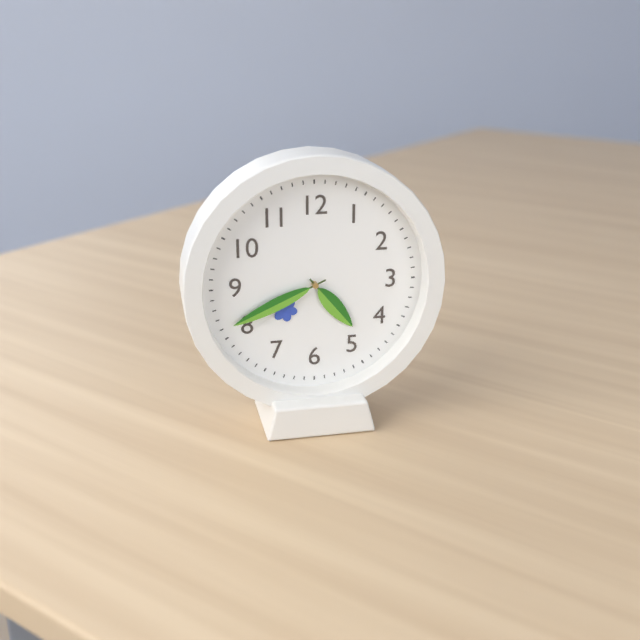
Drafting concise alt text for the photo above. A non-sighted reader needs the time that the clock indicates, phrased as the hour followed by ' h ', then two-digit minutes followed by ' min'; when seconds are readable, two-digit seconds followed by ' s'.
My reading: 4 h 41 min
